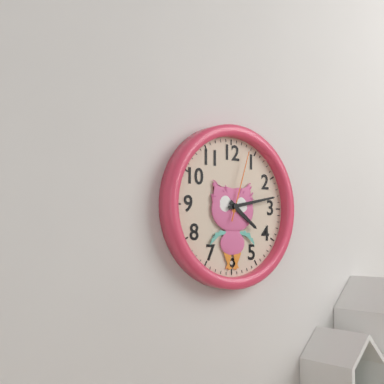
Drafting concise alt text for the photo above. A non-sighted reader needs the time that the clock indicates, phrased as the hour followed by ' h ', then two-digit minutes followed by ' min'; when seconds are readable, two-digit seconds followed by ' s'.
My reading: 4 h 13 min 03 s
